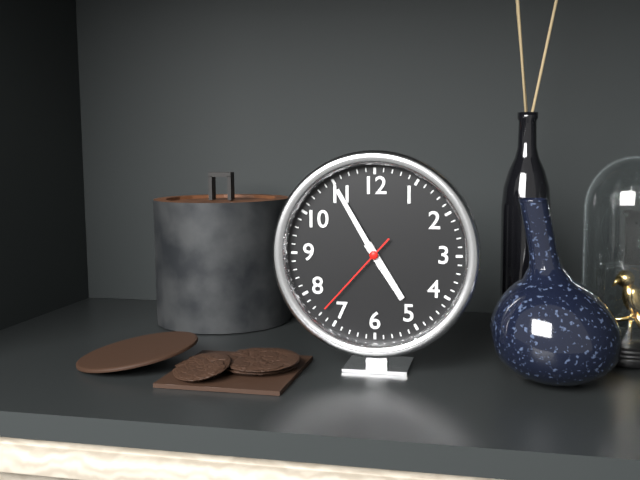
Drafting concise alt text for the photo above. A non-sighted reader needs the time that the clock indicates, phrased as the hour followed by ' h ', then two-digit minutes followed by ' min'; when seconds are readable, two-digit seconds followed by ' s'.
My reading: 4 h 55 min 37 s
